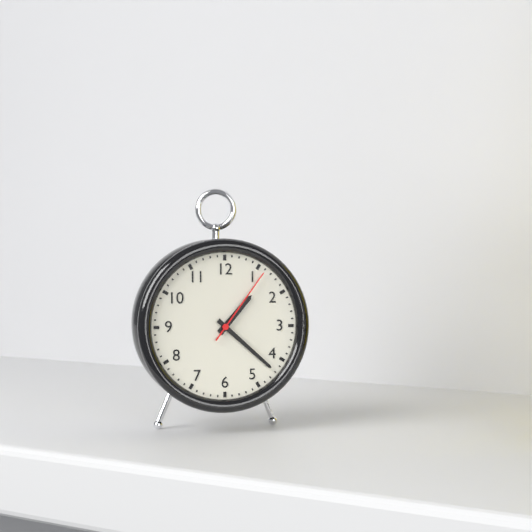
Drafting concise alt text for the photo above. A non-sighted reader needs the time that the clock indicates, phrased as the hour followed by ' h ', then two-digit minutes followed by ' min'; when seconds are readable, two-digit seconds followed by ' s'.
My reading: 1 h 22 min 06 s
